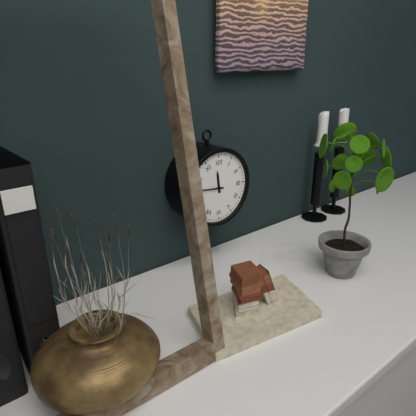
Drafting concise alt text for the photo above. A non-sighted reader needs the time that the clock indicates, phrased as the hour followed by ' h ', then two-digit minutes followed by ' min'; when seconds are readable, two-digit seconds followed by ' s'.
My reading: 11 h 46 min
